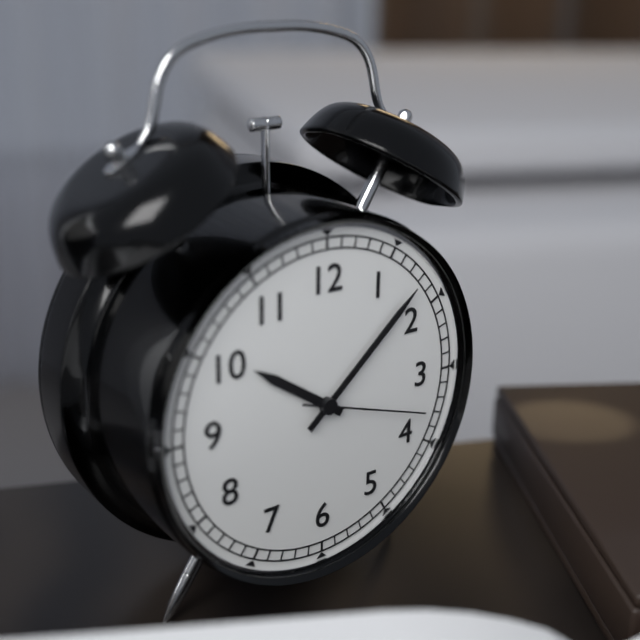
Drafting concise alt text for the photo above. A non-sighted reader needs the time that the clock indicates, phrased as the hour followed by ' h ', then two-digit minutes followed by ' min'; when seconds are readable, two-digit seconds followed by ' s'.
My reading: 10 h 08 min 18 s
